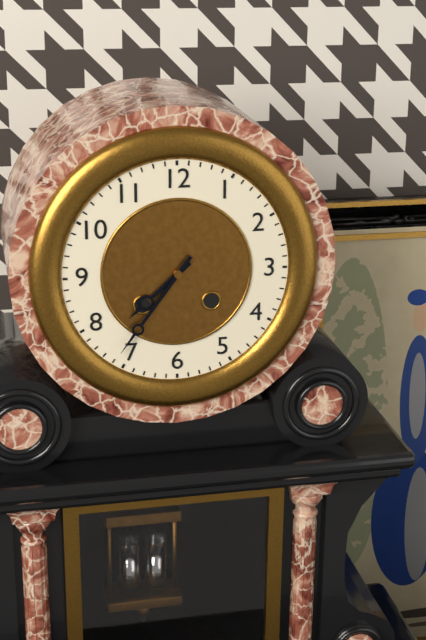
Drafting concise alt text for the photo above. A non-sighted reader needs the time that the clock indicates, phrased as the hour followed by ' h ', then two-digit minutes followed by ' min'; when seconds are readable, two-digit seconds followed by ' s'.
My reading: 7 h 36 min
